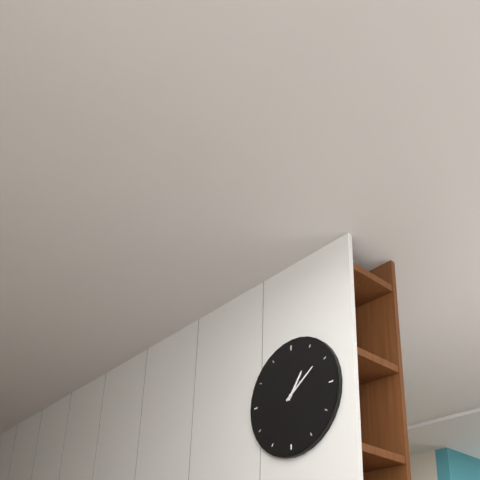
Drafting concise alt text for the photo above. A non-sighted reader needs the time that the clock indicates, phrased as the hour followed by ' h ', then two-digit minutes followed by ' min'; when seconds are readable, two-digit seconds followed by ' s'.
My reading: 1 h 09 min
